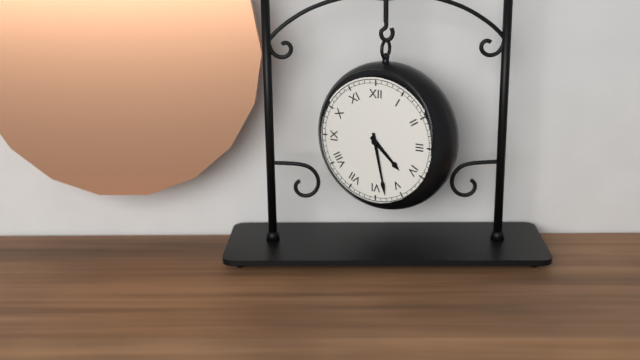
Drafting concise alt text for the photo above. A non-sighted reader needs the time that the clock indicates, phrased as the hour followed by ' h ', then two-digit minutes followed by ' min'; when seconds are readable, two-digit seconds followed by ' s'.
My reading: 4 h 28 min
